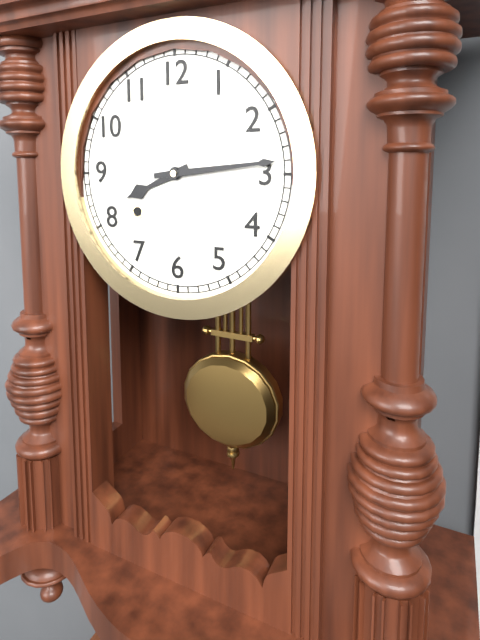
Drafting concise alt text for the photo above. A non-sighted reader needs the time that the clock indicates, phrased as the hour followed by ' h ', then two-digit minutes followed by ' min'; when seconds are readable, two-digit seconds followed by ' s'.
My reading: 8 h 14 min
